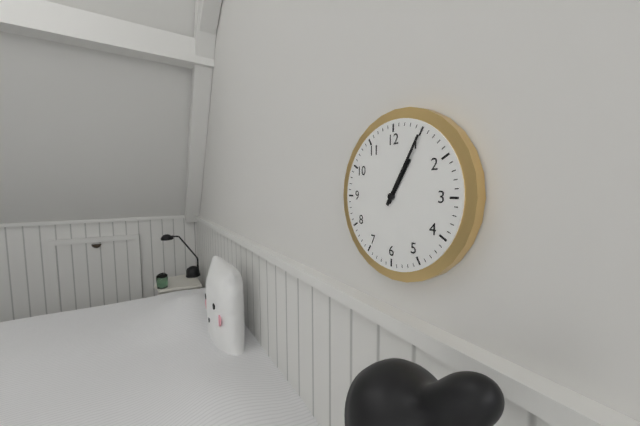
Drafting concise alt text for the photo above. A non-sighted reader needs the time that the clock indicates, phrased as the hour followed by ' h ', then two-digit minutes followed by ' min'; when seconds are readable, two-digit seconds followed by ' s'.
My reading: 1 h 05 min
